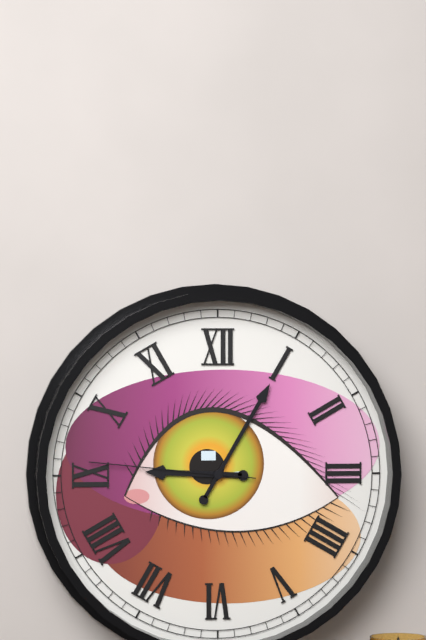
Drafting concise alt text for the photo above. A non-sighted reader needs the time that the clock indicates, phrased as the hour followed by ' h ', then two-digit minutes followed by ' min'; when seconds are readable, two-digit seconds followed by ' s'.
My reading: 9 h 05 min 46 s
